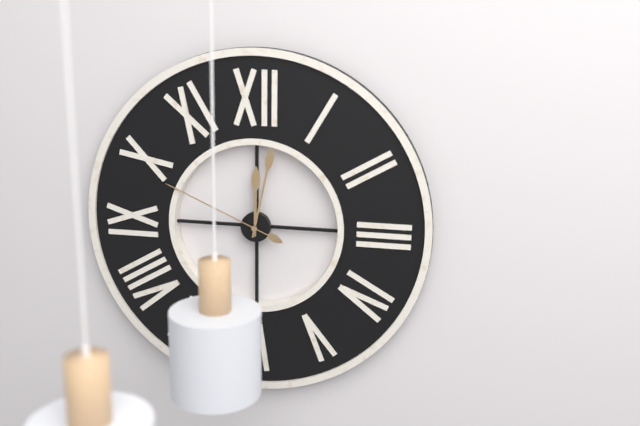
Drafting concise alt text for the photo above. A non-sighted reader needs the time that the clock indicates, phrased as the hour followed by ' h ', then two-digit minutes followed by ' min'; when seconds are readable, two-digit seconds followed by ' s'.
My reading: 12 h 02 min 49 s
